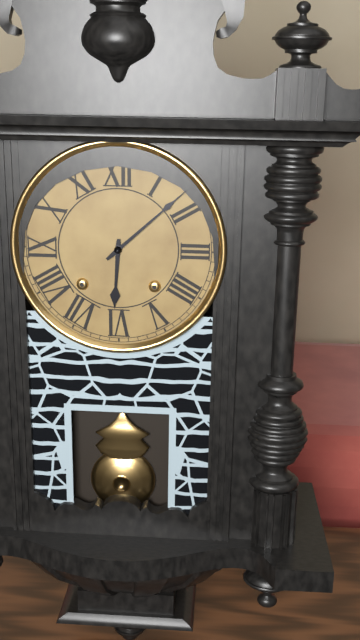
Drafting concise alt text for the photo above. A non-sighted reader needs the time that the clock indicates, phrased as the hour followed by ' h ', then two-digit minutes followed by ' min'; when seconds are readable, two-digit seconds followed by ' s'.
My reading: 6 h 08 min
